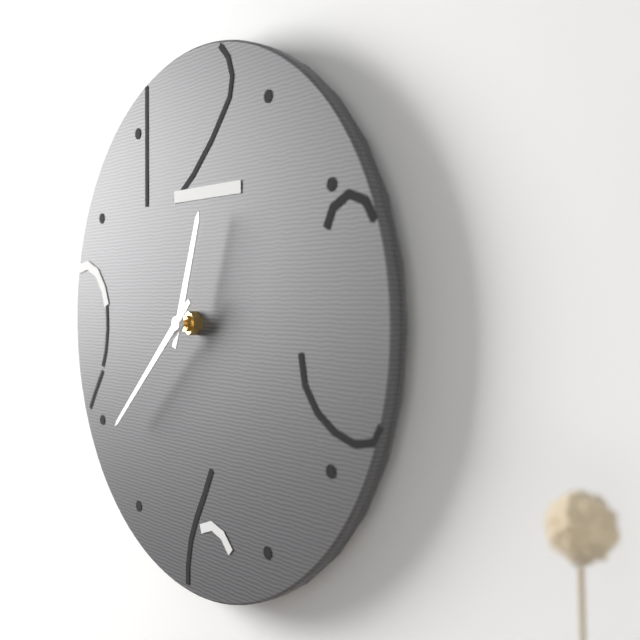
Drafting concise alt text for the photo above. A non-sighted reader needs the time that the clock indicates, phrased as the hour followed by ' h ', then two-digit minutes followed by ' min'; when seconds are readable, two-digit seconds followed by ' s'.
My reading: 12 h 38 min
